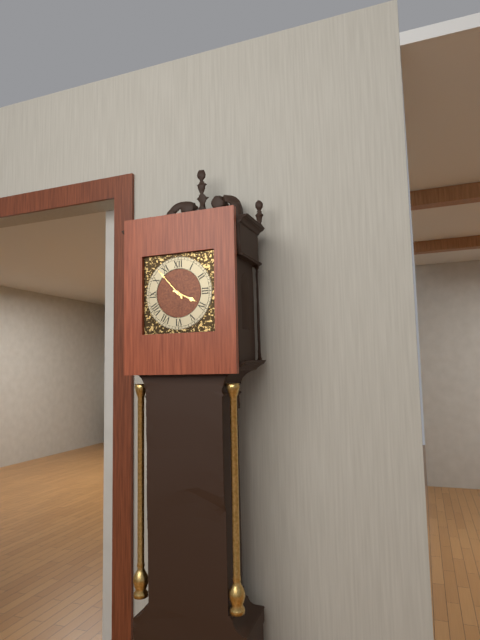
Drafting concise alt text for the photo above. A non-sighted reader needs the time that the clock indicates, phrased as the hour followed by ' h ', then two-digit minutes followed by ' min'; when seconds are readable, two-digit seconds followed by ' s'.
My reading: 3 h 53 min
